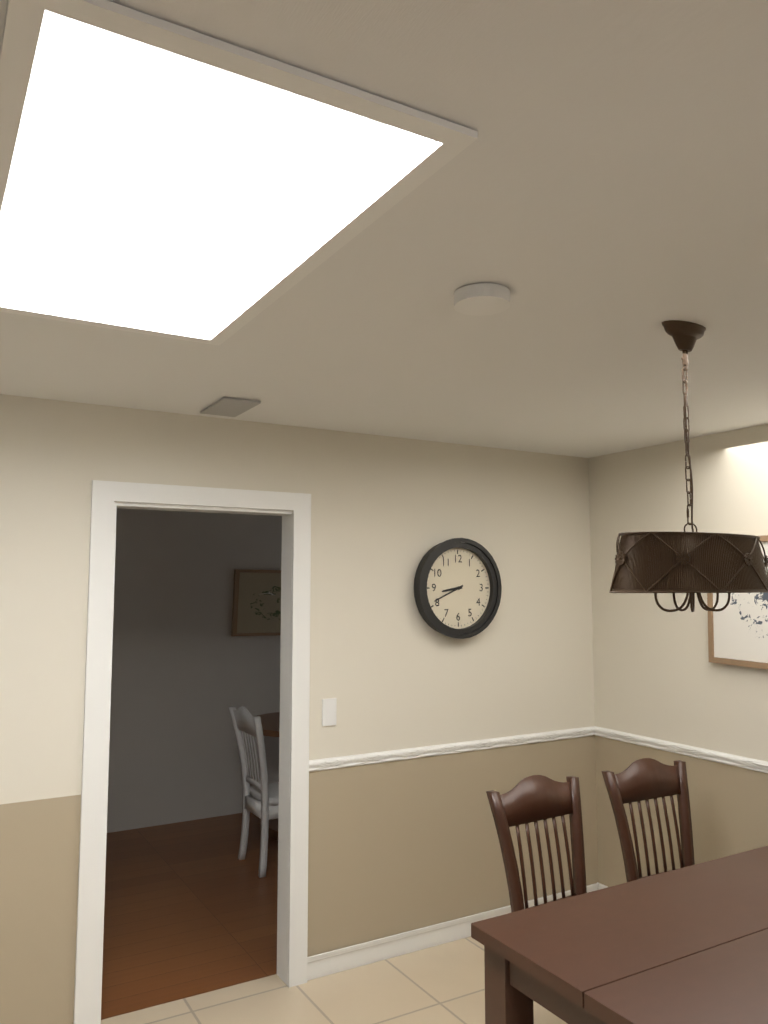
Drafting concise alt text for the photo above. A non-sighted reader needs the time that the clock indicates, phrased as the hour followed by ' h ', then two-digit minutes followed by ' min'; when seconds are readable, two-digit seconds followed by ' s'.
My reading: 8 h 41 min
